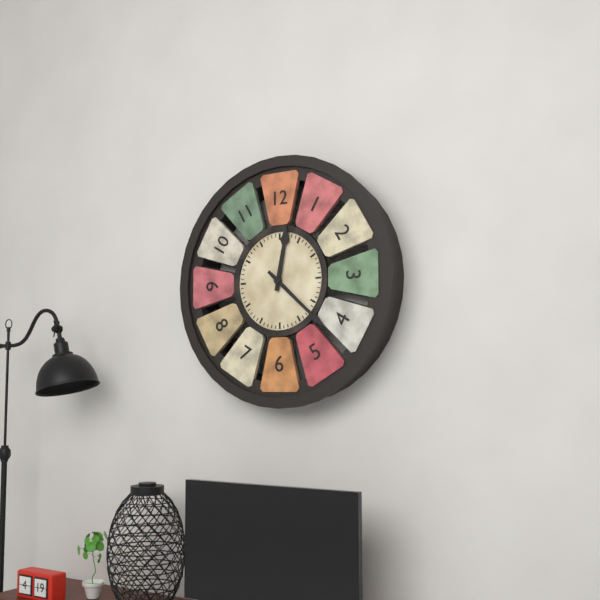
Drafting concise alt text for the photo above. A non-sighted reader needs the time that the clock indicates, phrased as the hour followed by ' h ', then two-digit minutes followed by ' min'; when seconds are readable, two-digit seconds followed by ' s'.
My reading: 12 h 22 min
